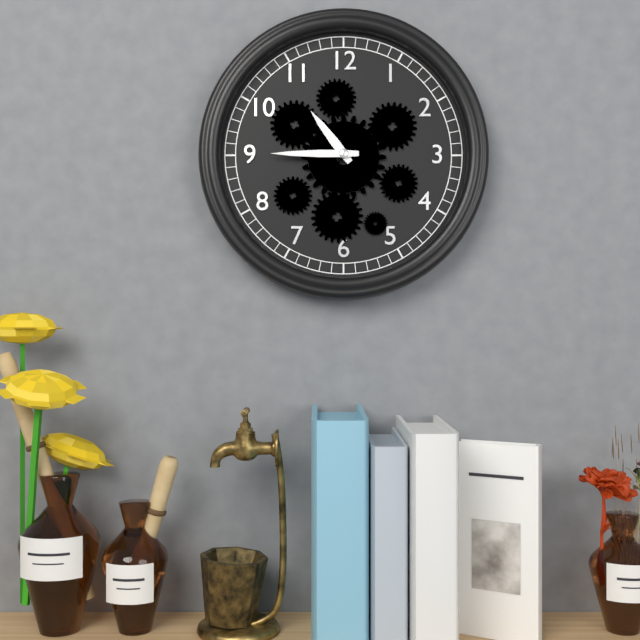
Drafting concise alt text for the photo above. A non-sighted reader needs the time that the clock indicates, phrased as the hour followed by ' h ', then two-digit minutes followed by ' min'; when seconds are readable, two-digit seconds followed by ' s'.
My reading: 10 h 45 min
